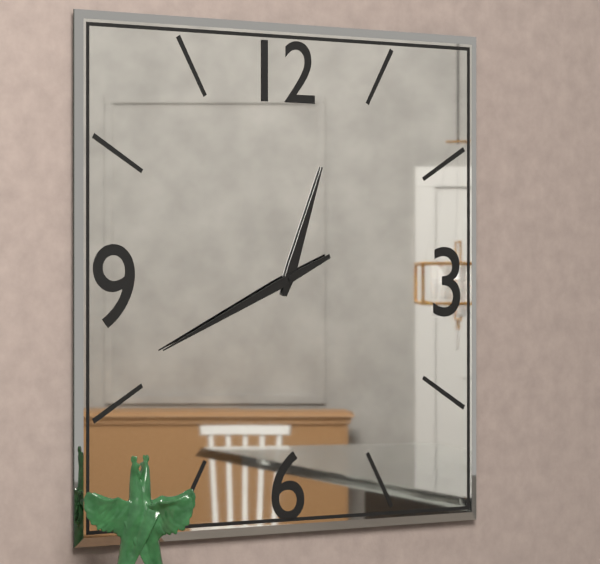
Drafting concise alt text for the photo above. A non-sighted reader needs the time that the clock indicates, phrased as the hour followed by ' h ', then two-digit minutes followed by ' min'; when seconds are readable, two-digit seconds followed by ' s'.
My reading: 12 h 41 min
